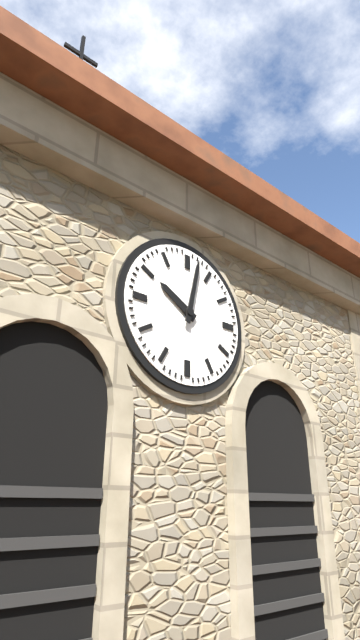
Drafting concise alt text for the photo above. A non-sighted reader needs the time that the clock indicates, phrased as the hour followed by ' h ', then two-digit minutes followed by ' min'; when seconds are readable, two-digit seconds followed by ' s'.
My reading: 10 h 02 min
